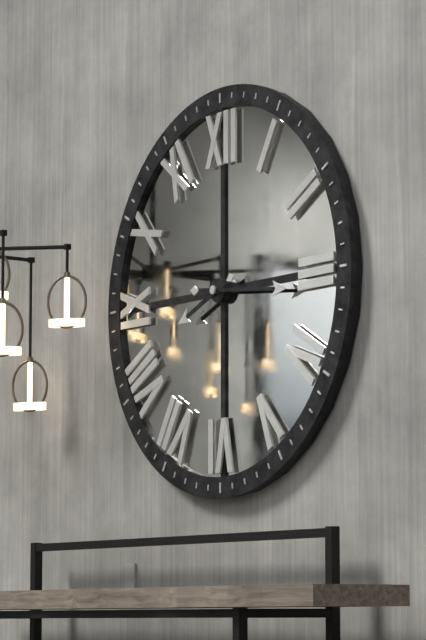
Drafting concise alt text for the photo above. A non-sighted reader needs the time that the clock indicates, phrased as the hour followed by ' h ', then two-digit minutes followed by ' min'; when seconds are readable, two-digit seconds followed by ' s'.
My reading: 8 h 16 min
